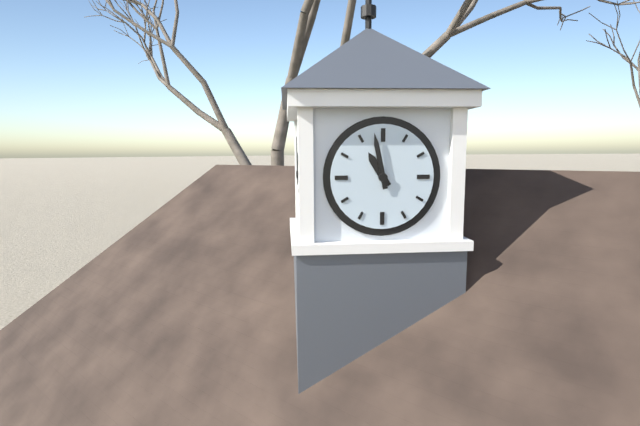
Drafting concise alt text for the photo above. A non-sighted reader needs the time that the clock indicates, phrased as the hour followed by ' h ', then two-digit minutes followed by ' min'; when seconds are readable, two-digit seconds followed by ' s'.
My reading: 10 h 58 min
